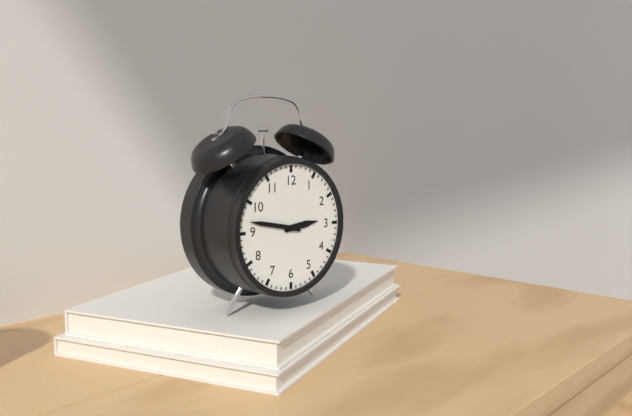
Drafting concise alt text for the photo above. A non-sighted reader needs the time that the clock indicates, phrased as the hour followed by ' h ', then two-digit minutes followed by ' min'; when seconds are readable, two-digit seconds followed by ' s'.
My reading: 2 h 47 min
